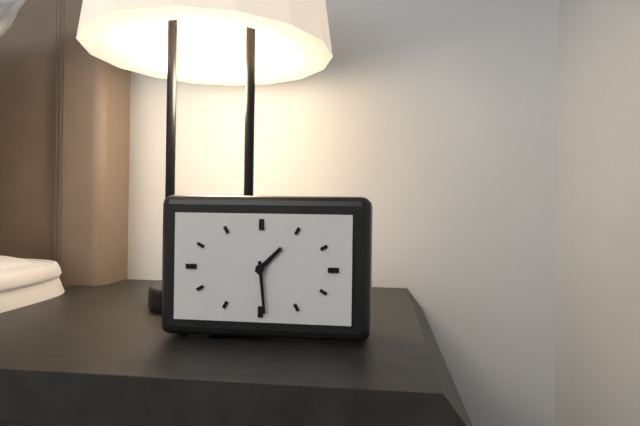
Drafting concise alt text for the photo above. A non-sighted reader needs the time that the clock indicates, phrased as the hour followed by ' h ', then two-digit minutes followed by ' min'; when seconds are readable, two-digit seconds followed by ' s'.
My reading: 1 h 29 min
